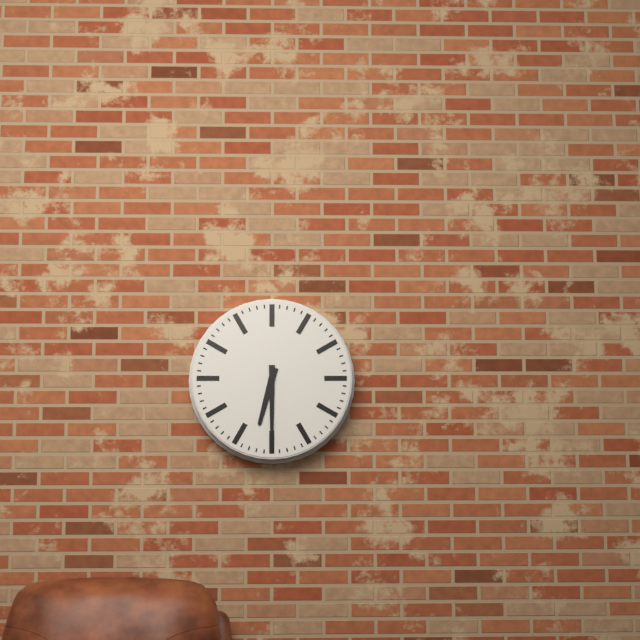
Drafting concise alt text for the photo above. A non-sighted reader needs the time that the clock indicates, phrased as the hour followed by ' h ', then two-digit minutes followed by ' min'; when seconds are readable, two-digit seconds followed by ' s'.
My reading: 6 h 30 min
